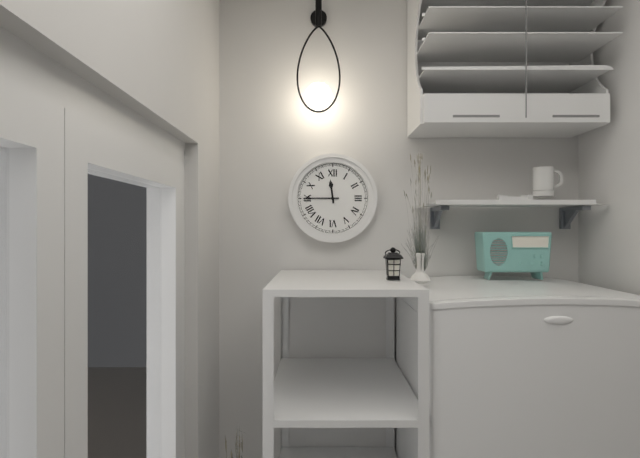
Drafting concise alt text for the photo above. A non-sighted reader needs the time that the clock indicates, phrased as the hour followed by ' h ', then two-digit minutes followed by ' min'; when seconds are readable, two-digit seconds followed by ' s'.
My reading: 11 h 45 min
